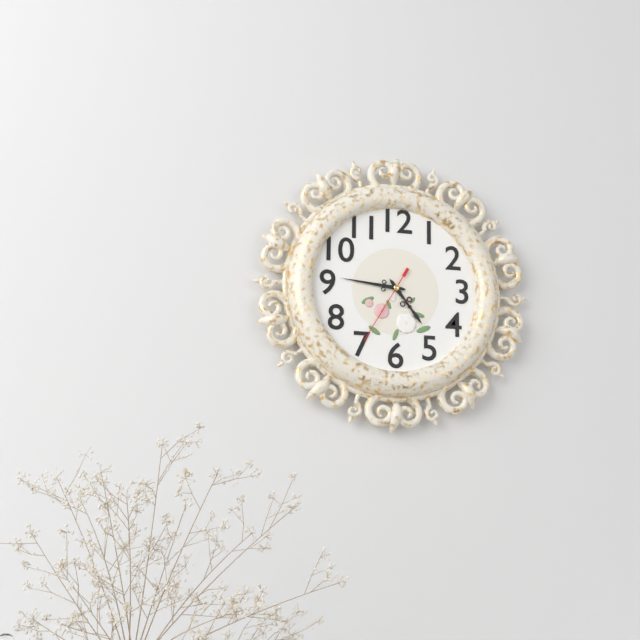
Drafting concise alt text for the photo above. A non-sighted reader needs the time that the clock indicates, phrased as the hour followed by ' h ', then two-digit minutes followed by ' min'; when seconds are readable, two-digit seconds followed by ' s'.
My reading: 4 h 46 min 35 s
